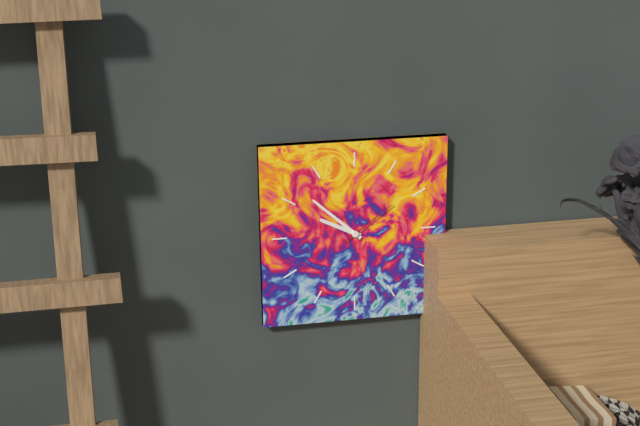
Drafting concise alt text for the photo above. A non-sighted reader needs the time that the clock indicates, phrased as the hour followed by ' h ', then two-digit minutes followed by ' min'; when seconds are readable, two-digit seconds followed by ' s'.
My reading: 9 h 52 min 09 s
